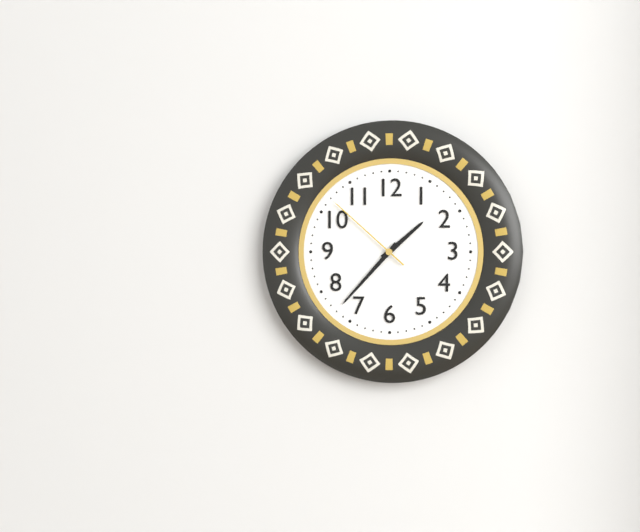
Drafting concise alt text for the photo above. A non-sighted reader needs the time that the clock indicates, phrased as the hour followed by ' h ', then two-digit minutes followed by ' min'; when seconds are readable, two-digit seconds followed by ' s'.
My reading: 1 h 37 min 52 s
